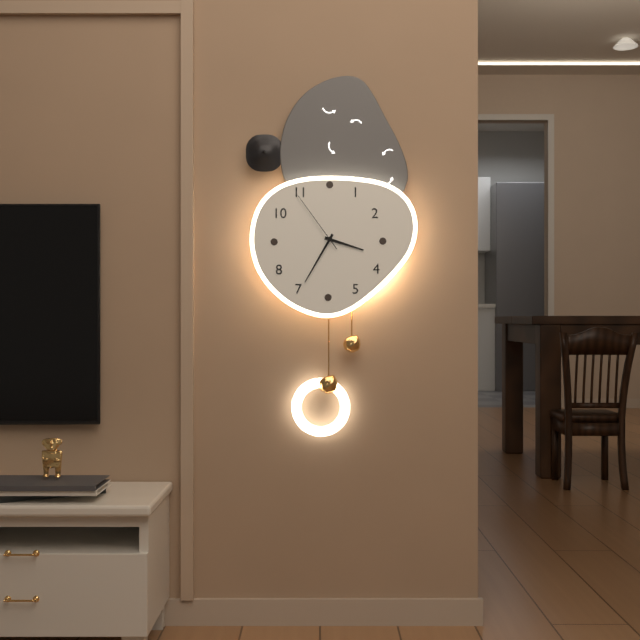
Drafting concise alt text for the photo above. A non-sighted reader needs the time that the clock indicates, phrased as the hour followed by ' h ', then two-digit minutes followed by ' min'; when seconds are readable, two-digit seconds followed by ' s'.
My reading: 3 h 35 min 54 s
